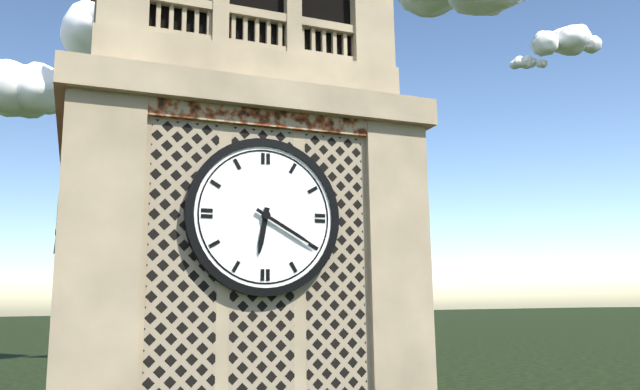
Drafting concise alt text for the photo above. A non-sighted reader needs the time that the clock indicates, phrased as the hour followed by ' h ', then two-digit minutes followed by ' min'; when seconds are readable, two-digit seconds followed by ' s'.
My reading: 6 h 20 min
